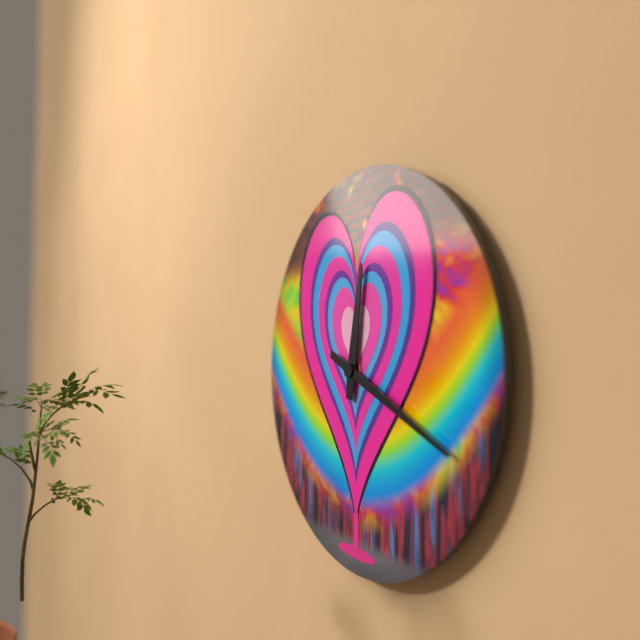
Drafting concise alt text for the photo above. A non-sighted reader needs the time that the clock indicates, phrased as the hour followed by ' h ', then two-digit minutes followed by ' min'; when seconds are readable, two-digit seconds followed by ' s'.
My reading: 12 h 19 min
